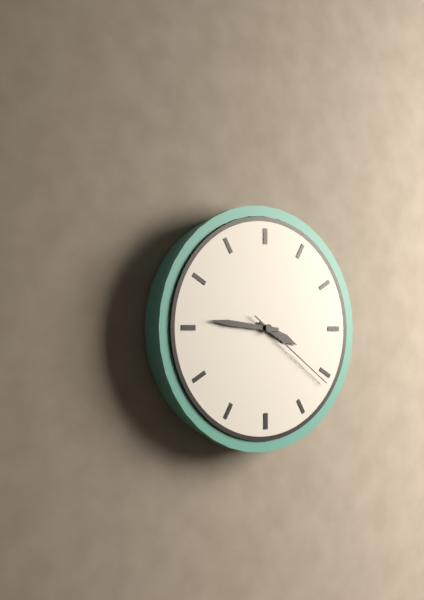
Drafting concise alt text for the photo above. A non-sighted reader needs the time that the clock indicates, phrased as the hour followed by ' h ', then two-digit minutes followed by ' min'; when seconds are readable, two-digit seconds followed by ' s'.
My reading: 3 h 46 min 21 s
